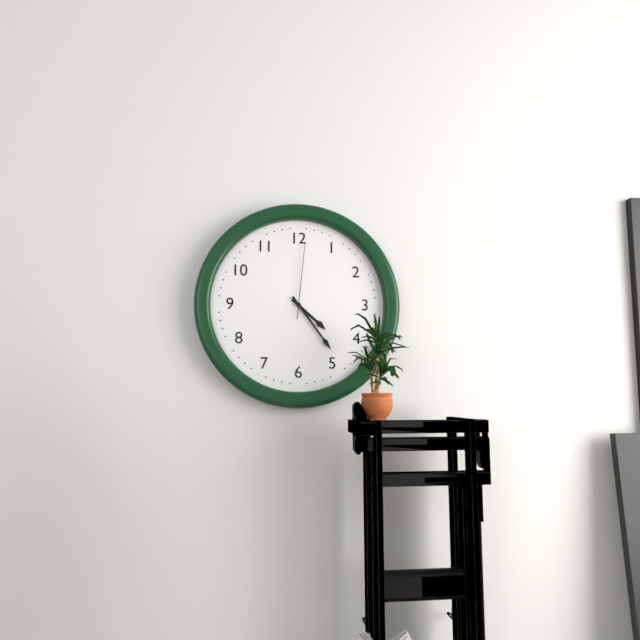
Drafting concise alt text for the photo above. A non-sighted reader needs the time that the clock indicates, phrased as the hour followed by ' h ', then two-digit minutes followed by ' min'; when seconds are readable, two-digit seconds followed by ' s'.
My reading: 4 h 24 min 01 s
